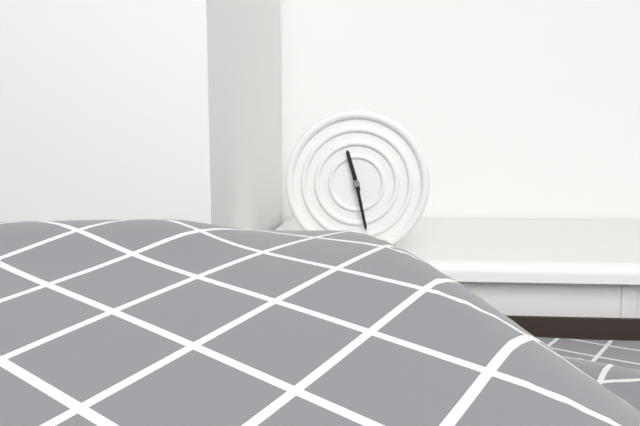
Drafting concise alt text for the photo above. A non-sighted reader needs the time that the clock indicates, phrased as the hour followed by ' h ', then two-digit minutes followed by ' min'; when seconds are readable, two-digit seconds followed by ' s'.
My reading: 11 h 28 min
